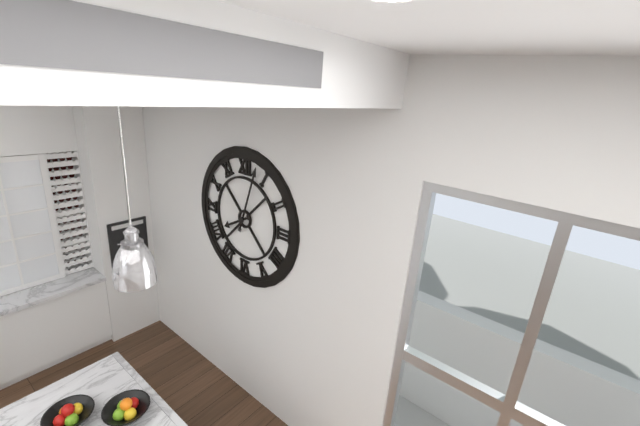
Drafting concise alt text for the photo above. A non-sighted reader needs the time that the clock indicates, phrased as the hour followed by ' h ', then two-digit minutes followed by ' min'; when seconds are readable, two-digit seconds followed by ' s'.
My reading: 8 h 03 min
